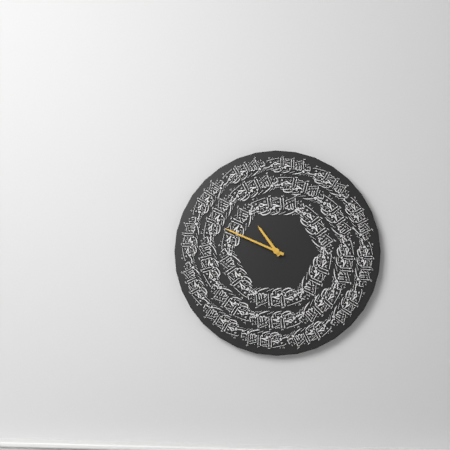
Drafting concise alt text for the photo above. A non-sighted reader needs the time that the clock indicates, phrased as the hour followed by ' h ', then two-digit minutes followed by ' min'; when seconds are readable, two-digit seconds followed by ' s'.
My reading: 10 h 49 min
